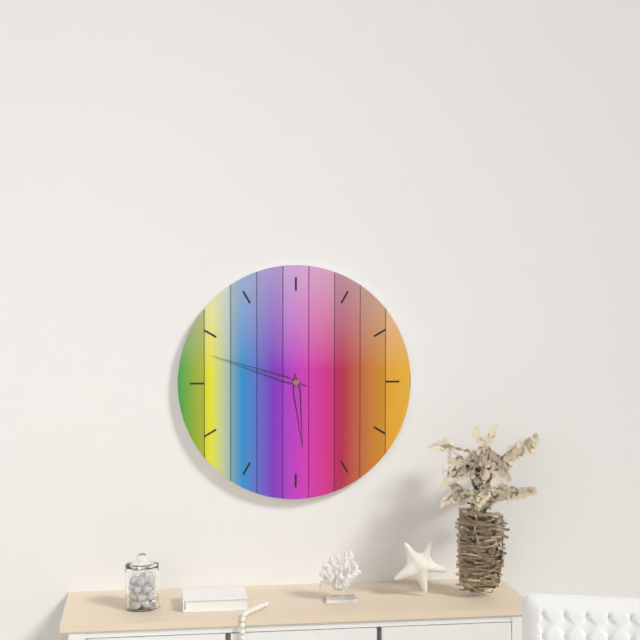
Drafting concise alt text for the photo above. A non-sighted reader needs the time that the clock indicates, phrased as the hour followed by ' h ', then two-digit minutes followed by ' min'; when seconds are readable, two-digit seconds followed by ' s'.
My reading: 5 h 48 min
